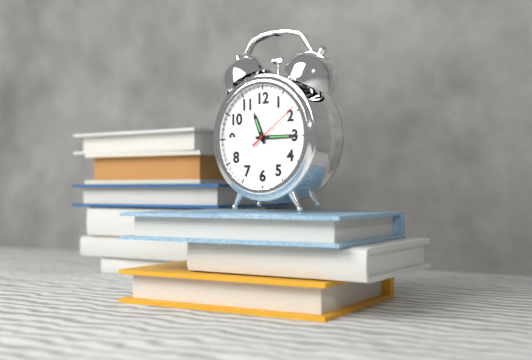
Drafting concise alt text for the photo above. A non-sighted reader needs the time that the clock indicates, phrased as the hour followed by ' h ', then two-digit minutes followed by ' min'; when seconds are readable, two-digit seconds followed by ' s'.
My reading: 11 h 15 min 09 s
